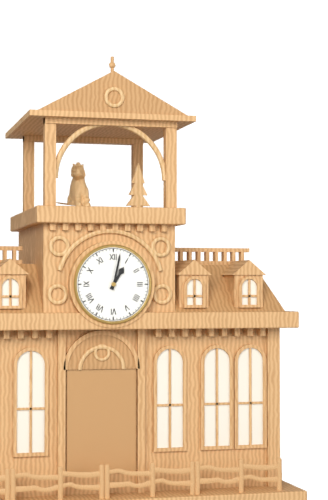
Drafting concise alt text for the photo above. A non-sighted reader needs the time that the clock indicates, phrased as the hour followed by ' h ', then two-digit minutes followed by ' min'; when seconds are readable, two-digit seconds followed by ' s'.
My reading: 1 h 02 min
